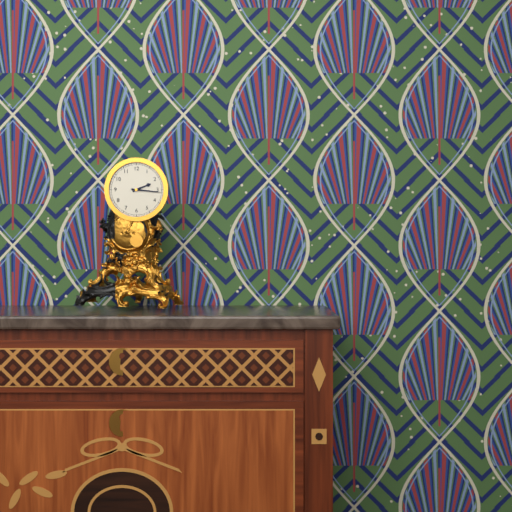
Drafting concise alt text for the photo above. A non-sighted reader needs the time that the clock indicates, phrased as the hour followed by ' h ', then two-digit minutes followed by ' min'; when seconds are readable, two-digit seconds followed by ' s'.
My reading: 2 h 16 min
